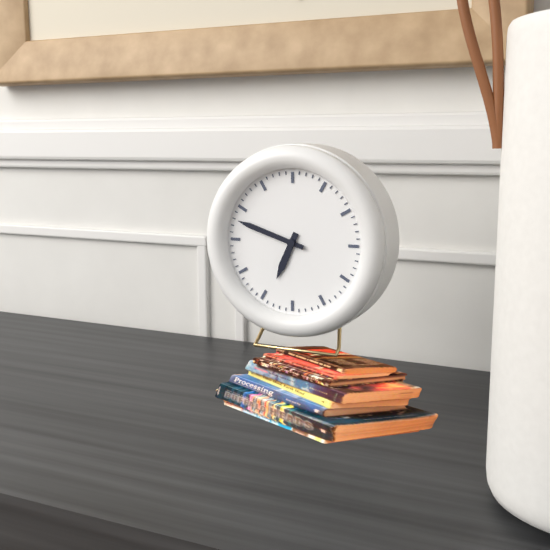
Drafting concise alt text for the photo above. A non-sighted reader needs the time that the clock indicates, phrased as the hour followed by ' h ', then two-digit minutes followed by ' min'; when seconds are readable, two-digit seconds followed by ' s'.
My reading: 6 h 48 min
